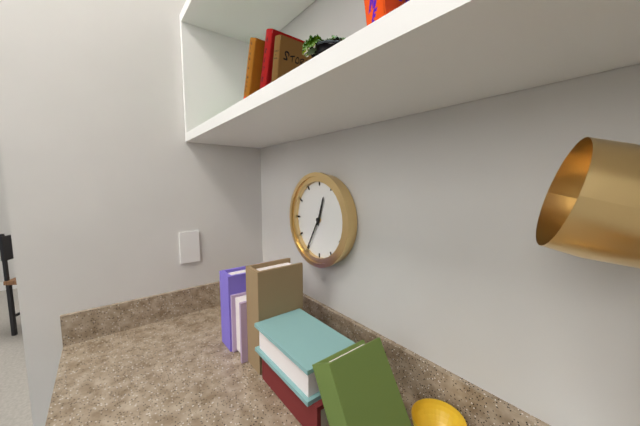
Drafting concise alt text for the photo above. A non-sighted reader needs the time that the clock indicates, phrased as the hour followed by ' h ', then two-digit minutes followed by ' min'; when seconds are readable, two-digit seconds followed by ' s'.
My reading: 12 h 35 min
